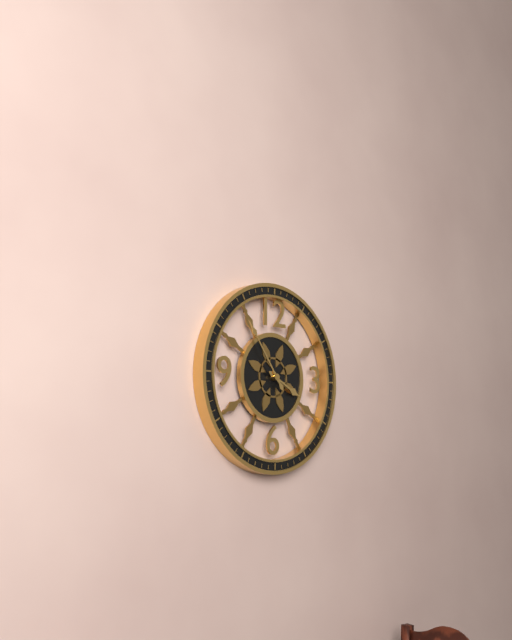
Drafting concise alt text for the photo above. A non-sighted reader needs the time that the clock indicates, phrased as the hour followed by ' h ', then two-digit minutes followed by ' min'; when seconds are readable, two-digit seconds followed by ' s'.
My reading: 3 h 54 min
